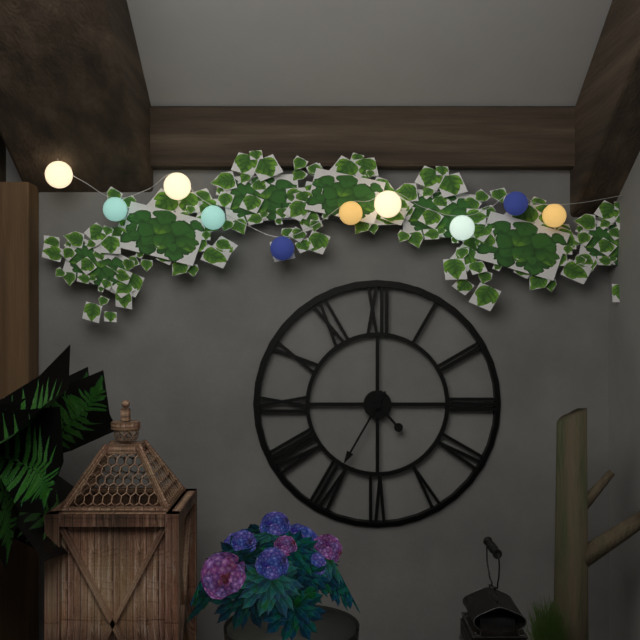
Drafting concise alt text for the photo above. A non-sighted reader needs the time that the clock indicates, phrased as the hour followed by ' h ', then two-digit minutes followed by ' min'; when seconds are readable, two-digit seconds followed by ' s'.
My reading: 4 h 35 min
